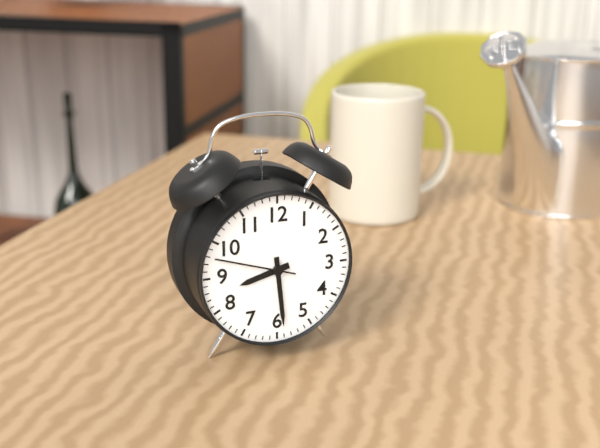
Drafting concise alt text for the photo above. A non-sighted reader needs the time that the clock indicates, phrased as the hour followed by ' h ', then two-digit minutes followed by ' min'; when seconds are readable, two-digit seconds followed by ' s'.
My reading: 8 h 29 min 48 s
